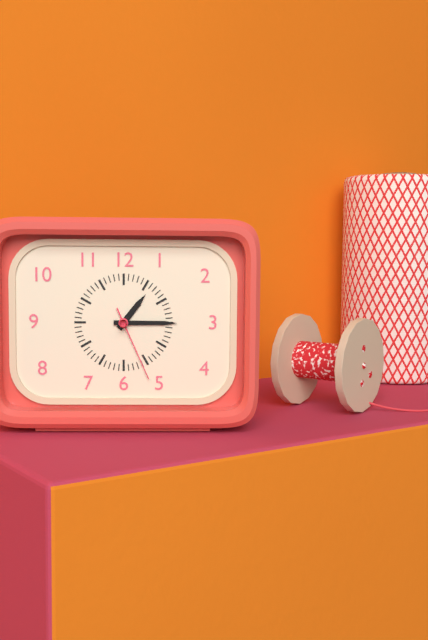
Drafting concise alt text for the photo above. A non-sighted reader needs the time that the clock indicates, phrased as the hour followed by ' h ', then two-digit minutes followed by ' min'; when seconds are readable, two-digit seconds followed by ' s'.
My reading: 1 h 15 min 26 s
